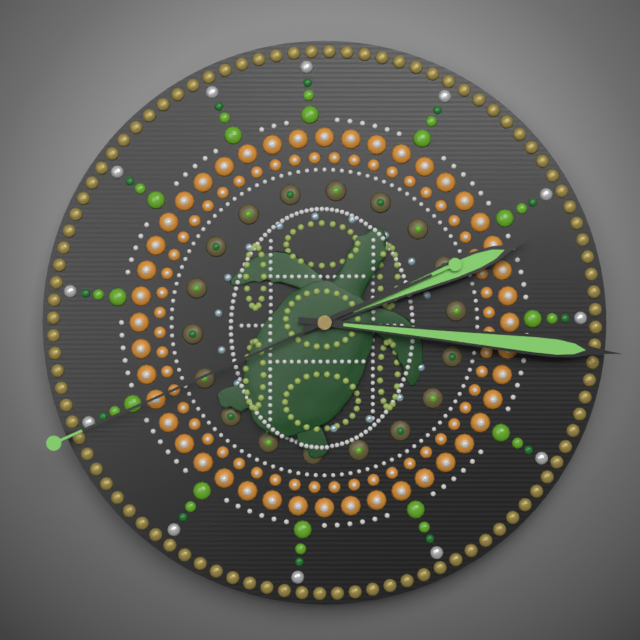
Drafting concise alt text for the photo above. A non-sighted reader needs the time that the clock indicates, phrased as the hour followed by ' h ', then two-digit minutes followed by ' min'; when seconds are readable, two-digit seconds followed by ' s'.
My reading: 2 h 16 min 41 s
